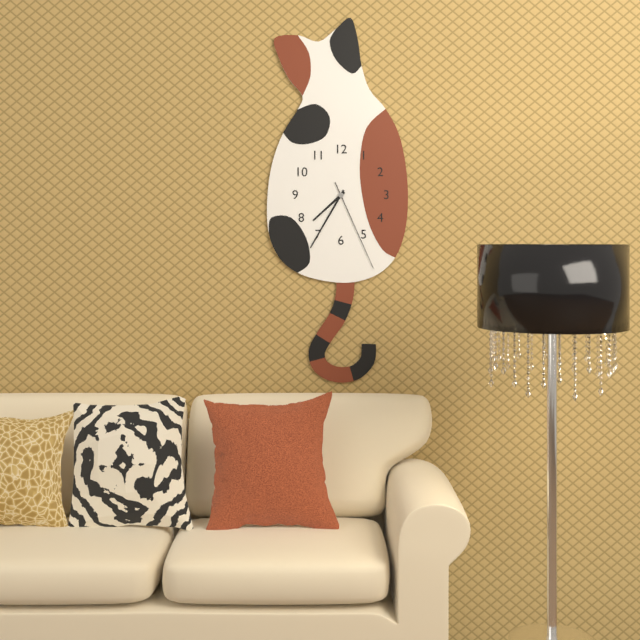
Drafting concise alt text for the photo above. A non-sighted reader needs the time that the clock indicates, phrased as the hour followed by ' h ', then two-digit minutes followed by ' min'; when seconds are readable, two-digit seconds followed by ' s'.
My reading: 7 h 35 min 26 s
